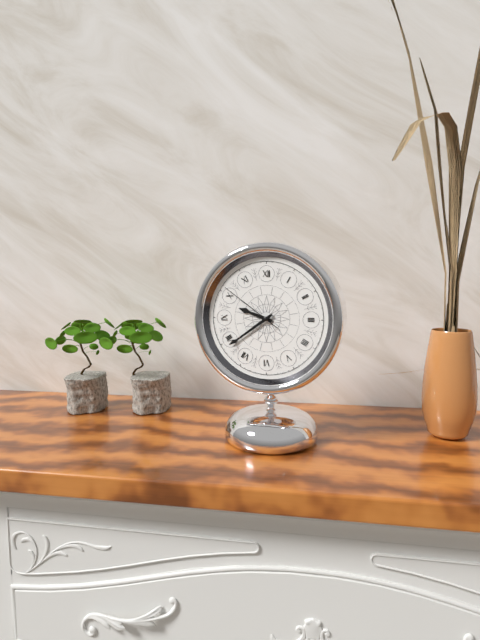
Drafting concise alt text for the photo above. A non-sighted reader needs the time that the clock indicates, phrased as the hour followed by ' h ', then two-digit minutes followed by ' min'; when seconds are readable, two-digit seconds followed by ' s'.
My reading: 9 h 39 min 51 s
